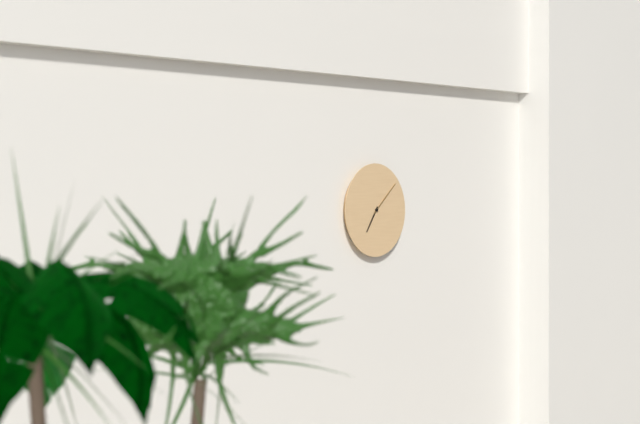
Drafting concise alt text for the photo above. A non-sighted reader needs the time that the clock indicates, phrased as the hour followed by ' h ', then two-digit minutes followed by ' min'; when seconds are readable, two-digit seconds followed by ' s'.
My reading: 7 h 08 min
